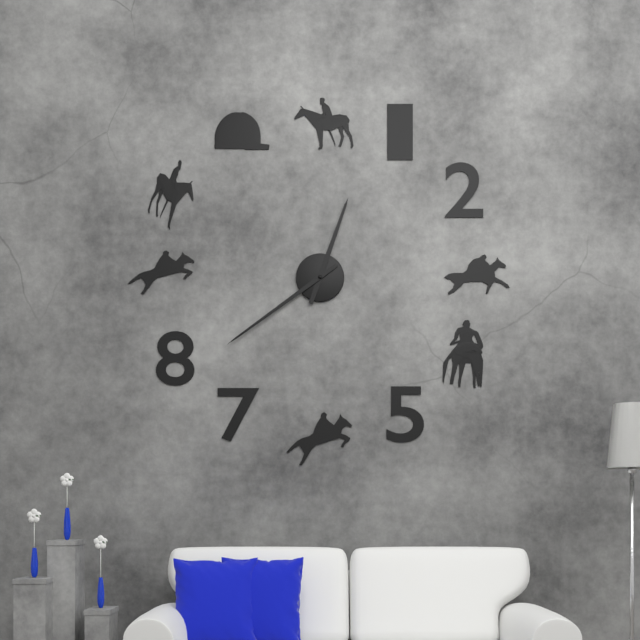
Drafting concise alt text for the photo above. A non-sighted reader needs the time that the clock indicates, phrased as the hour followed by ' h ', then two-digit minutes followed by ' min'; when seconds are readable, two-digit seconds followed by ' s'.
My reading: 12 h 39 min
